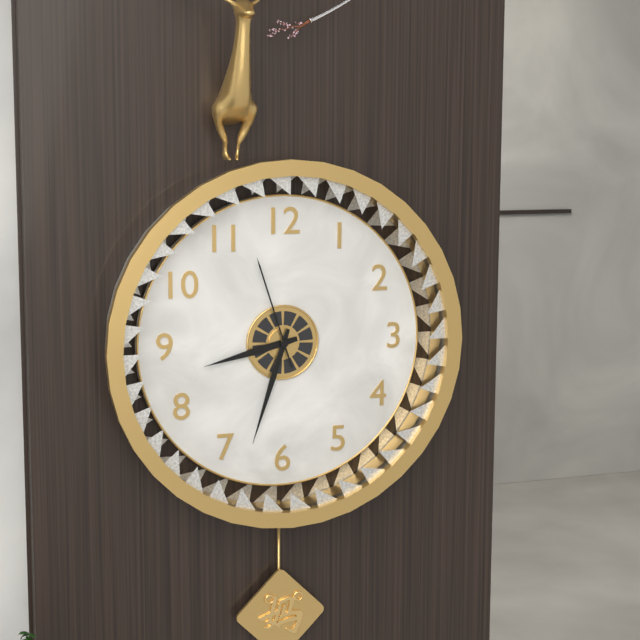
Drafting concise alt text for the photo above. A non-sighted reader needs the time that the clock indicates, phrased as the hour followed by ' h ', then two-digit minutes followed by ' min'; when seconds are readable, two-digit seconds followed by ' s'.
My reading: 8 h 33 min 57 s
